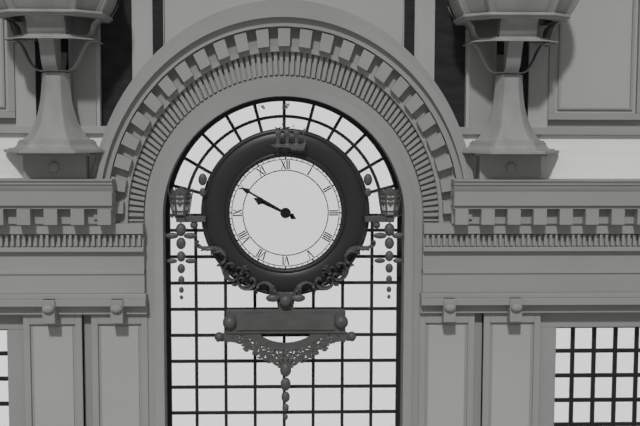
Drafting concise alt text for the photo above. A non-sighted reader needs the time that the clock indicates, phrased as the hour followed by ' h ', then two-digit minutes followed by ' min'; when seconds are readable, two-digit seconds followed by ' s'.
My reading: 9 h 50 min
